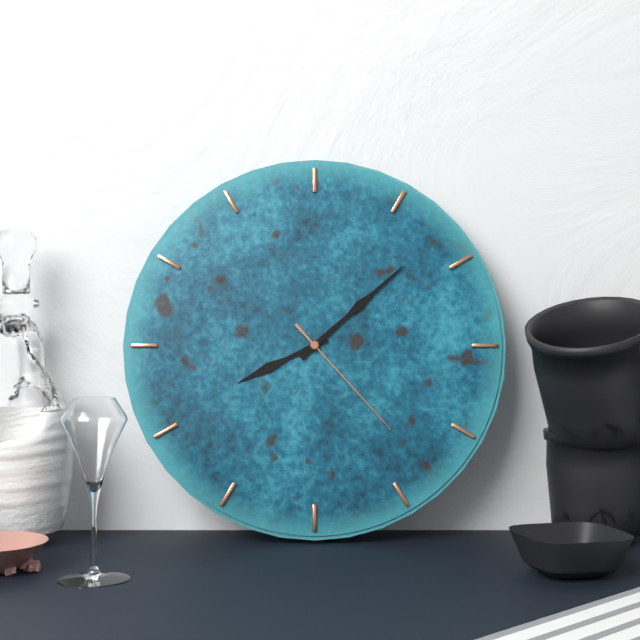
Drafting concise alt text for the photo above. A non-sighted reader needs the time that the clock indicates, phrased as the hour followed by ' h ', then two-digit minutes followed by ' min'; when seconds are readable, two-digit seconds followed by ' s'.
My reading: 8 h 08 min 23 s
